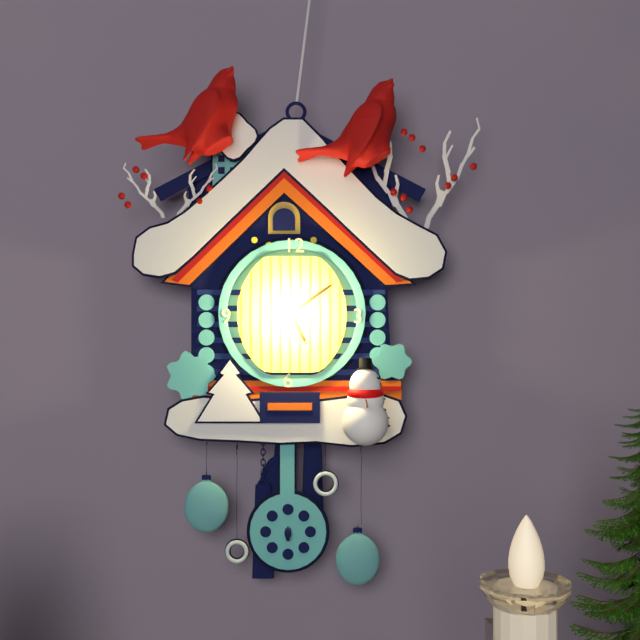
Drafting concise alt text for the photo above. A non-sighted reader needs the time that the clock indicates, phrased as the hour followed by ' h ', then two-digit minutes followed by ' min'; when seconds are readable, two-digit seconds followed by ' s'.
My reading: 5 h 09 min
